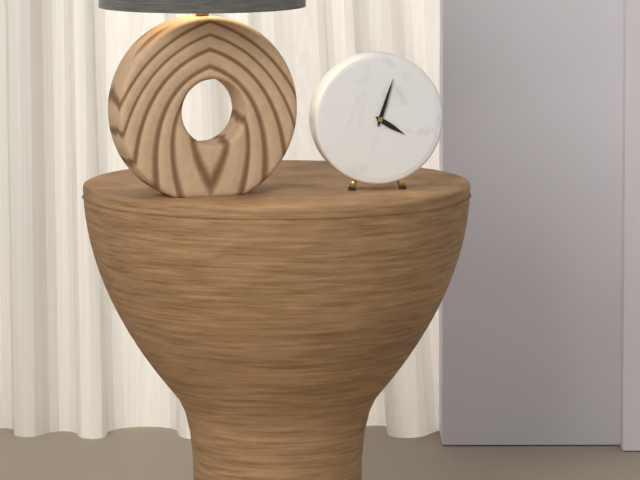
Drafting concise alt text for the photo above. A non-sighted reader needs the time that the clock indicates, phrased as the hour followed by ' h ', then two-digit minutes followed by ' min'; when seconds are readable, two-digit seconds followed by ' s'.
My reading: 4 h 03 min
